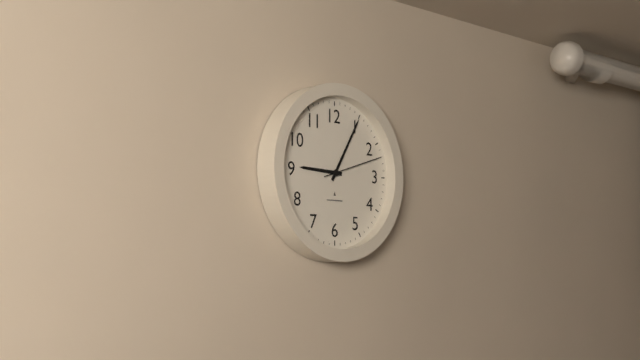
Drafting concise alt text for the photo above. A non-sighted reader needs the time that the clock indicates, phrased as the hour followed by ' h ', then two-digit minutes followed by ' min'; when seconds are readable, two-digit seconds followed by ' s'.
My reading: 9 h 05 min 12 s
